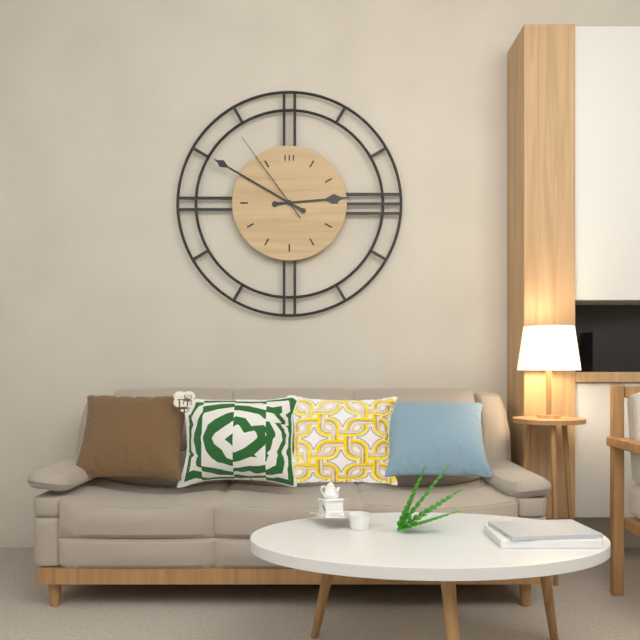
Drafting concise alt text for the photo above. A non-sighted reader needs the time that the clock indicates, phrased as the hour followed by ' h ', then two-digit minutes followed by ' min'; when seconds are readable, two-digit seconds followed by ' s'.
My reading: 2 h 50 min 54 s
